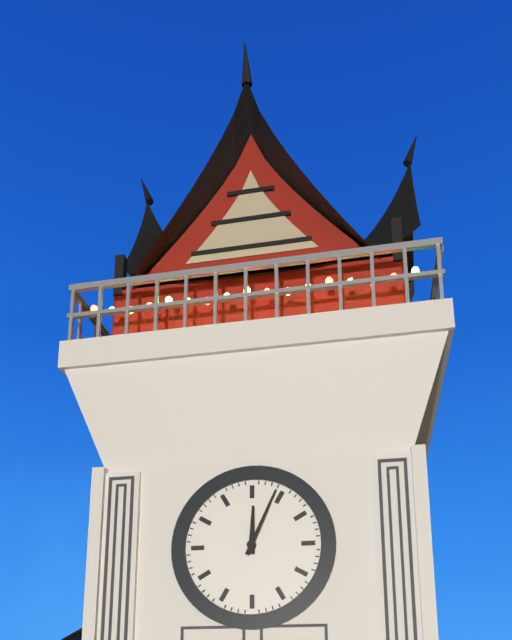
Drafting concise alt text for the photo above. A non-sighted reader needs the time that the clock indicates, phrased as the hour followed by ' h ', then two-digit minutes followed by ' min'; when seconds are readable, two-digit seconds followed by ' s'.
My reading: 12 h 04 min
